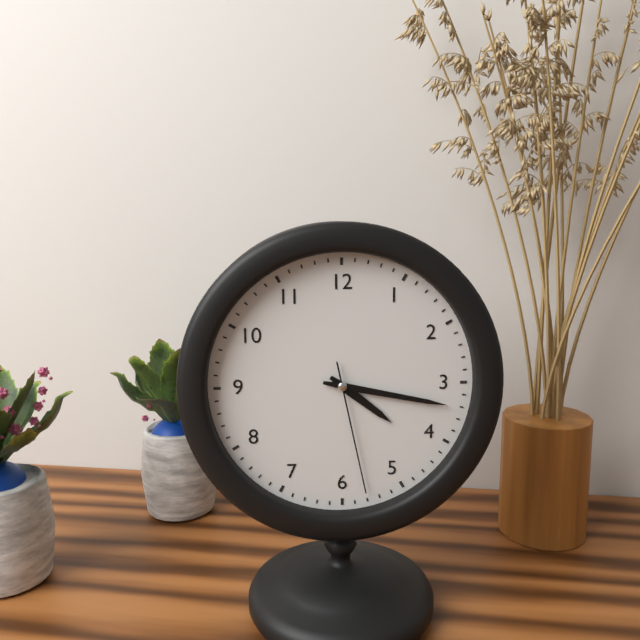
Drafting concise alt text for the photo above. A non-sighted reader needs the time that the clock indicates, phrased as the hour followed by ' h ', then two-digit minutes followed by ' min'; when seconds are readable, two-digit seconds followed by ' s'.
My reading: 4 h 17 min 28 s
